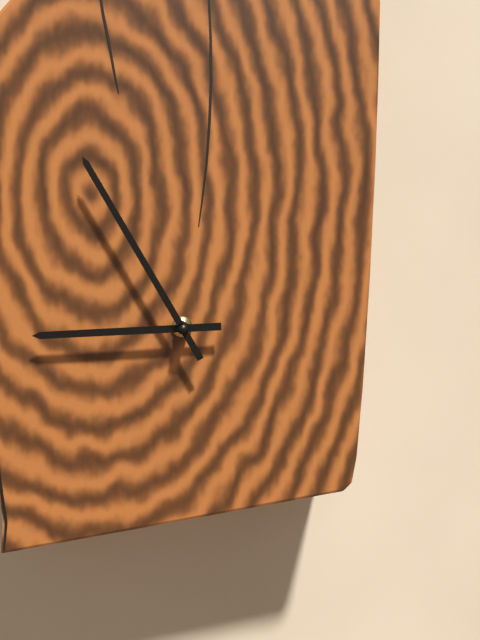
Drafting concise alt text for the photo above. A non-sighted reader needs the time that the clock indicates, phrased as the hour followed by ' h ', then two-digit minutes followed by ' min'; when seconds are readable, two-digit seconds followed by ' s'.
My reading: 8 h 55 min
